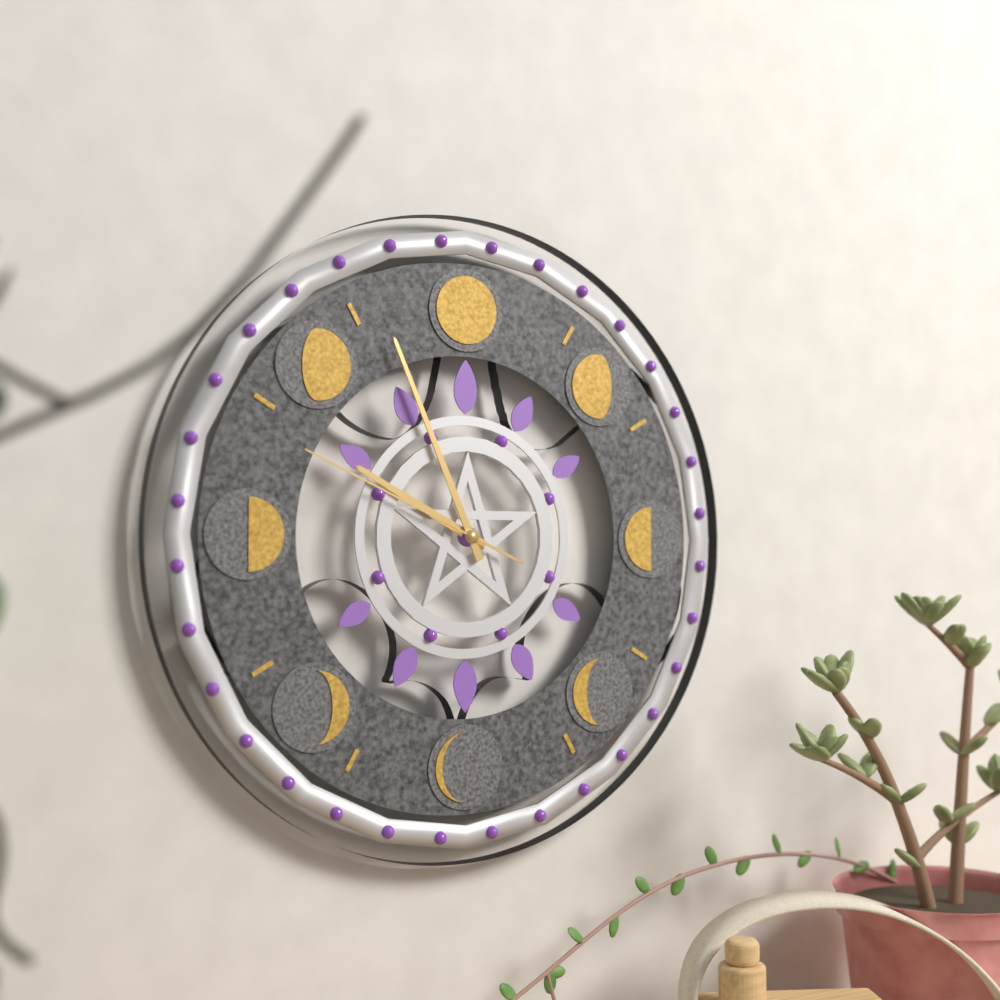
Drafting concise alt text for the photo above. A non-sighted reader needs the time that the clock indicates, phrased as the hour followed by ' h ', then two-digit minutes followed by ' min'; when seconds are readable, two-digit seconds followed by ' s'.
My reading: 9 h 56 min 49 s
